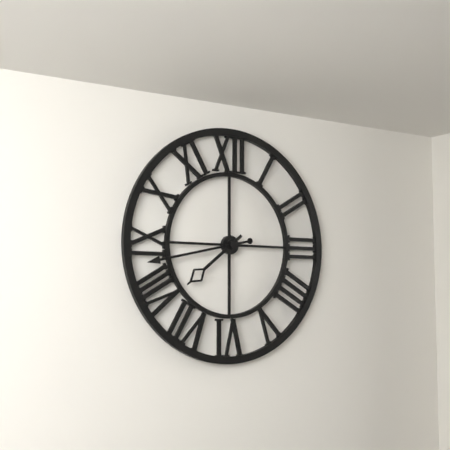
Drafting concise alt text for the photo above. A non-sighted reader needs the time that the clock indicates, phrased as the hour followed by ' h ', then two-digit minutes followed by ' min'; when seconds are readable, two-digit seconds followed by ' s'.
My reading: 7 h 43 min
